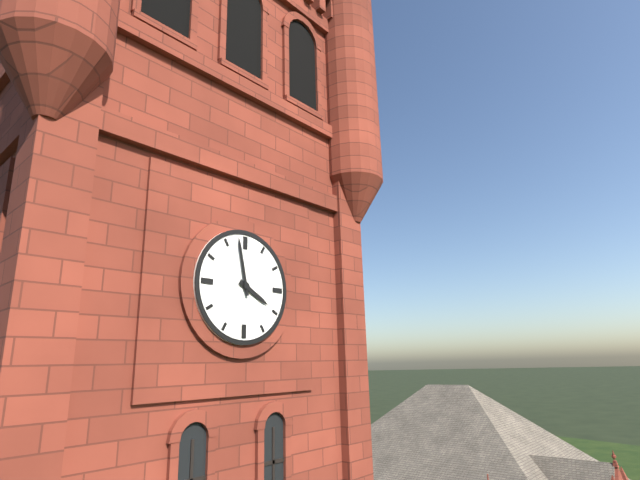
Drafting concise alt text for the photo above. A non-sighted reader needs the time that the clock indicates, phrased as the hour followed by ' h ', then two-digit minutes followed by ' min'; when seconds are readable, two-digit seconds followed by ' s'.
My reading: 3 h 58 min
